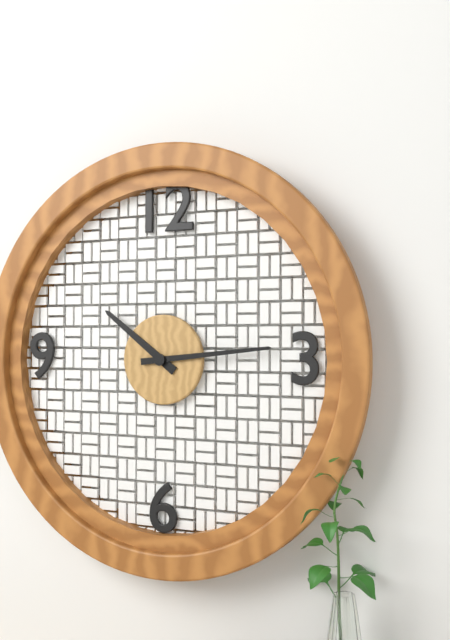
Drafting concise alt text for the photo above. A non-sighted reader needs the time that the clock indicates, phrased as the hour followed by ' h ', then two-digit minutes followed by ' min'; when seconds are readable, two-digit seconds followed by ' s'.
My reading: 10 h 14 min
